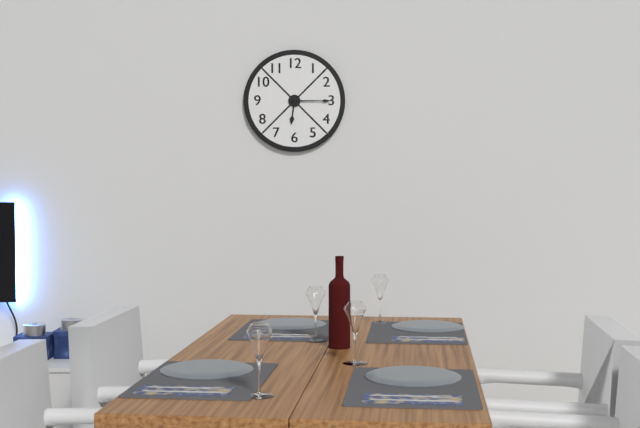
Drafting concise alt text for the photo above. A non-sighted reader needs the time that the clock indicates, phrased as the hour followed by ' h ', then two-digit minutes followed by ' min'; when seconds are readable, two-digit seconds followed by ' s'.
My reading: 6 h 15 min
